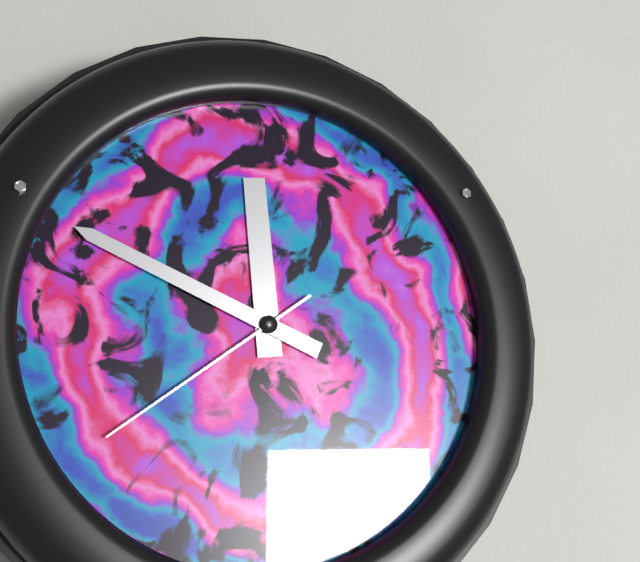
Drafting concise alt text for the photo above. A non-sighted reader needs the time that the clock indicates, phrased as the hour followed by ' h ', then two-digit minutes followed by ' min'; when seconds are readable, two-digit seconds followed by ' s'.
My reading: 11 h 49 min 39 s
